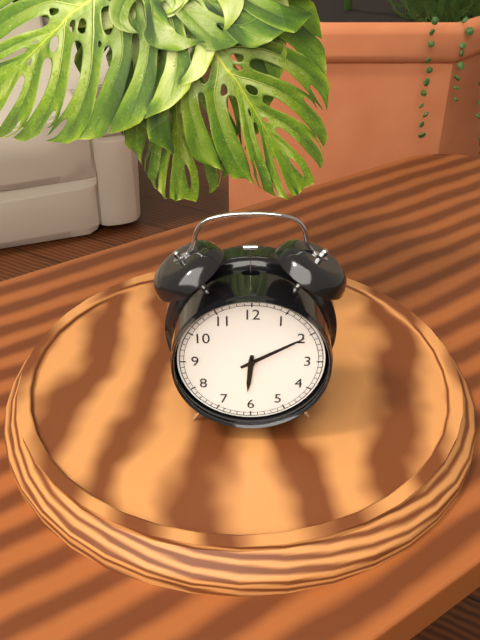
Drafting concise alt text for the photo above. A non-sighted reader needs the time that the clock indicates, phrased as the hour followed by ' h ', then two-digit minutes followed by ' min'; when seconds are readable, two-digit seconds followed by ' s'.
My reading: 6 h 10 min
